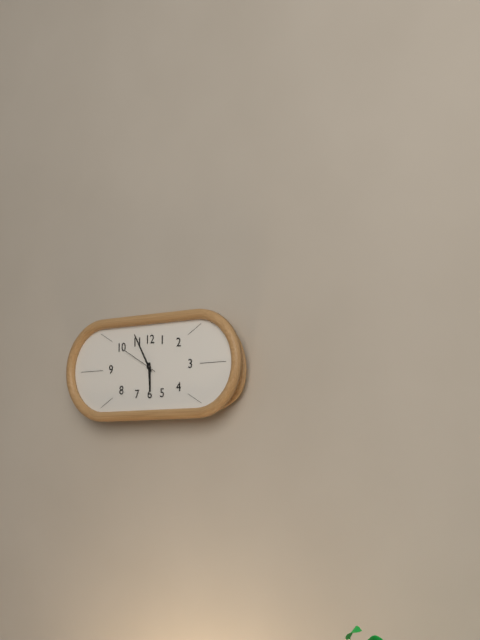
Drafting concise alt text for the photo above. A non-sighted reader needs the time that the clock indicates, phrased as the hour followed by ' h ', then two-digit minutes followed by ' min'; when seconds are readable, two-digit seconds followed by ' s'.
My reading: 5 h 55 min
